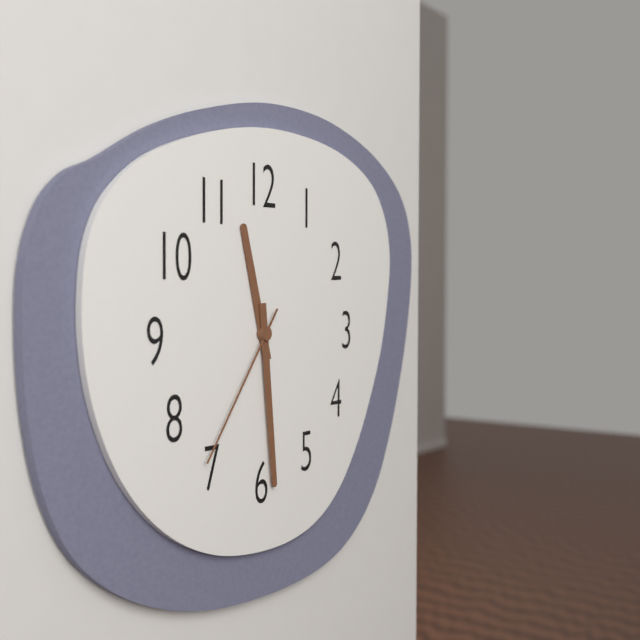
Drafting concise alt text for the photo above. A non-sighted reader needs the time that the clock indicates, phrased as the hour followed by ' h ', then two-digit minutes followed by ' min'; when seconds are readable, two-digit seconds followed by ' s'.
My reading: 11 h 29 min 36 s
